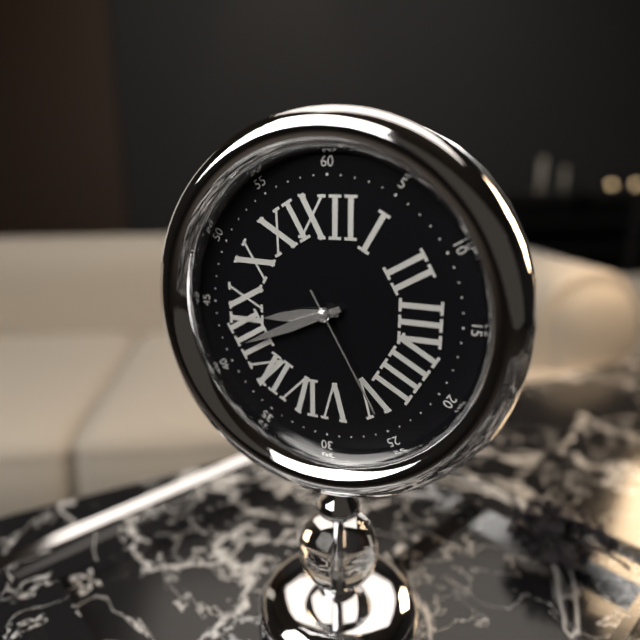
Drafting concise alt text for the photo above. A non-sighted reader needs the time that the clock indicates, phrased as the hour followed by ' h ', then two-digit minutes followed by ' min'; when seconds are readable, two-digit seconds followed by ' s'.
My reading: 8 h 41 min 25 s
